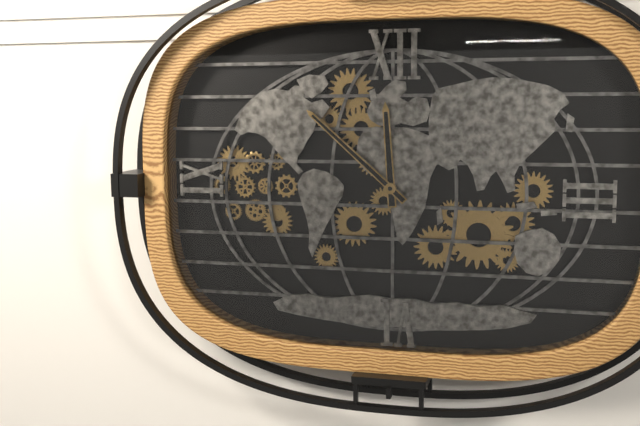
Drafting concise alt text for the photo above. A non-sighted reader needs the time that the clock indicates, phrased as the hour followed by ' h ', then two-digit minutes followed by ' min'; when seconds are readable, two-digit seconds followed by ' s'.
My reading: 11 h 52 min
